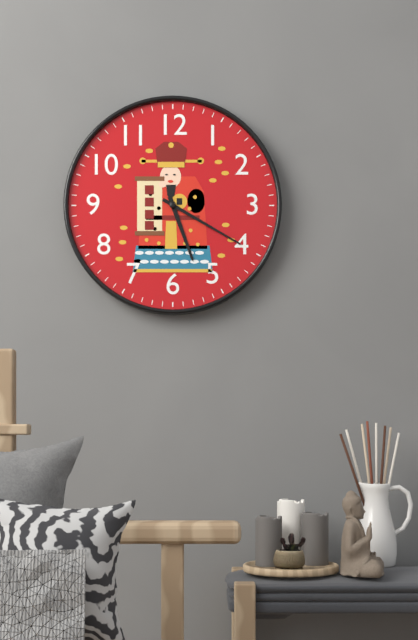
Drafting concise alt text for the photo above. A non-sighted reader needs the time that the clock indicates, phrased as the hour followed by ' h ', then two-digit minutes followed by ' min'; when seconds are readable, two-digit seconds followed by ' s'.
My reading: 5 h 20 min
